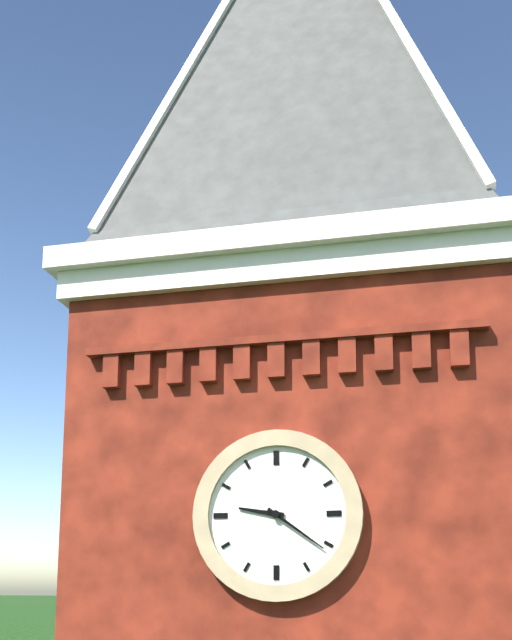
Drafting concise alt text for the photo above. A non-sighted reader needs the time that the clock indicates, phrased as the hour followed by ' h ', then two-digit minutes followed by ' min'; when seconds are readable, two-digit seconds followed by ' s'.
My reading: 9 h 21 min
